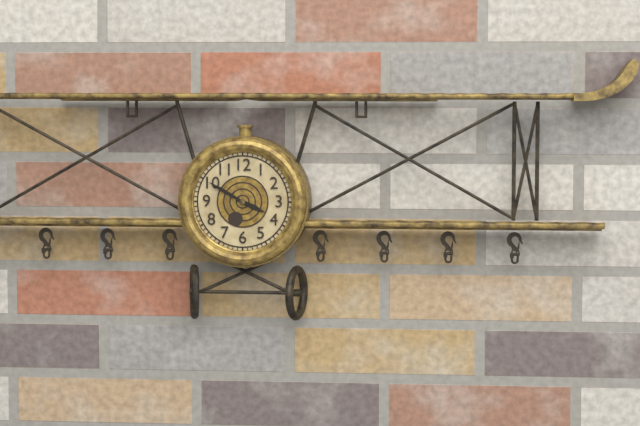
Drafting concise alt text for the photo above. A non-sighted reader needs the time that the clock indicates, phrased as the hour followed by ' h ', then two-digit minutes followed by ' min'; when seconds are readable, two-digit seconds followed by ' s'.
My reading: 3 h 50 min
